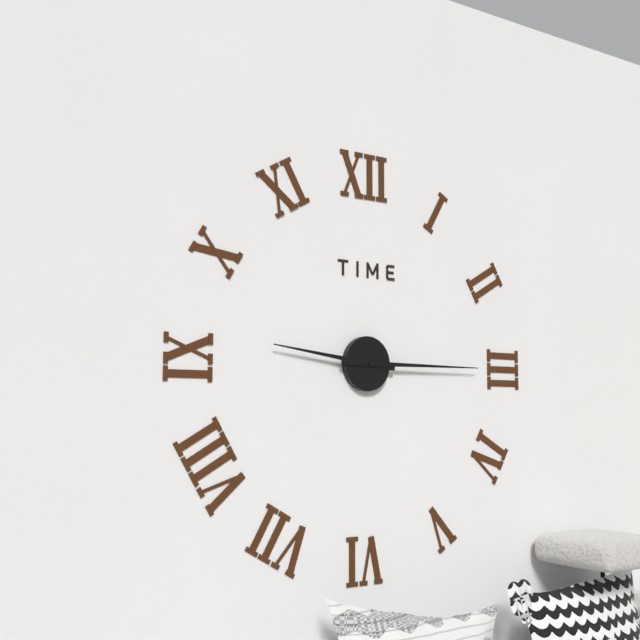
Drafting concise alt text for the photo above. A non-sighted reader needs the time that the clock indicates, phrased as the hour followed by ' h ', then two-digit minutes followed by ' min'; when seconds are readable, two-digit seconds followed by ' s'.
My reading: 9 h 15 min
